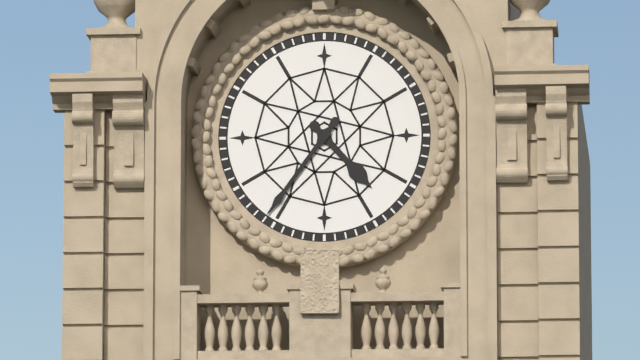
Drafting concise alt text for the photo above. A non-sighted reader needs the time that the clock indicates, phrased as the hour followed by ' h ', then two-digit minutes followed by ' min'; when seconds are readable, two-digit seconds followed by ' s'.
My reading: 4 h 36 min
